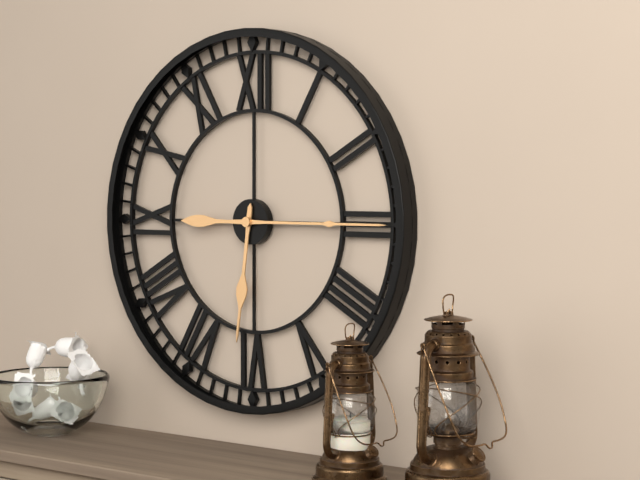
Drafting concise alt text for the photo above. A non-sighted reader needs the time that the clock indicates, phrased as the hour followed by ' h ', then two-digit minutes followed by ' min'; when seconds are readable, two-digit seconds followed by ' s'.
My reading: 6 h 15 min
